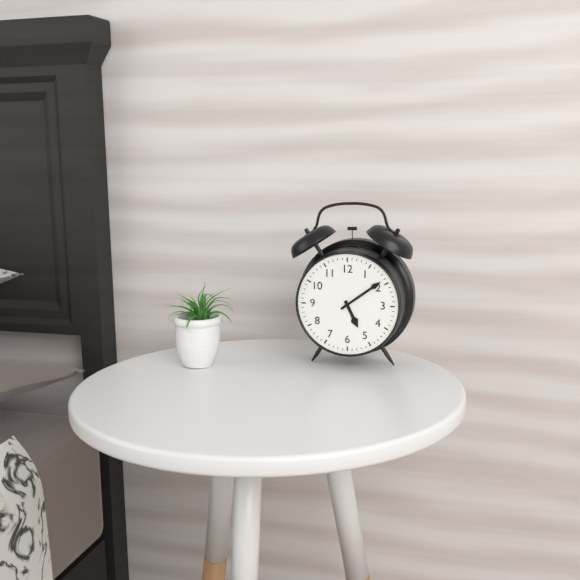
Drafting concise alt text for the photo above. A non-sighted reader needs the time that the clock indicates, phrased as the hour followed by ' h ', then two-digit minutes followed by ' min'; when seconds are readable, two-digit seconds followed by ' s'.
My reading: 5 h 09 min
